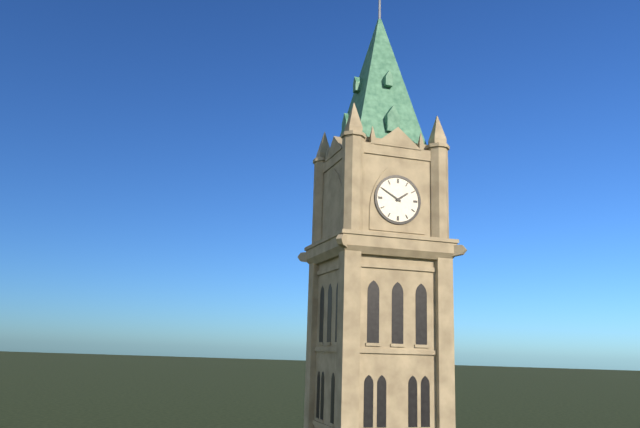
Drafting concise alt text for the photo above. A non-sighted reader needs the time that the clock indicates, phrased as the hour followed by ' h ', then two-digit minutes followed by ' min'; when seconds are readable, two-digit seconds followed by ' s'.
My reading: 1 h 50 min
